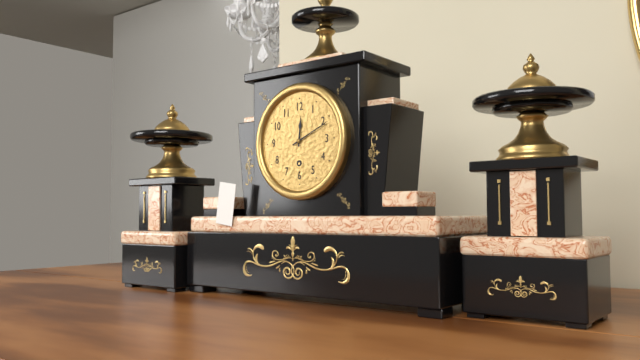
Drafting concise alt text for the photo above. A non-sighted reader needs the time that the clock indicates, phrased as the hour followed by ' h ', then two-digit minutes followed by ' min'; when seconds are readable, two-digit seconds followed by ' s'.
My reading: 12 h 11 min
